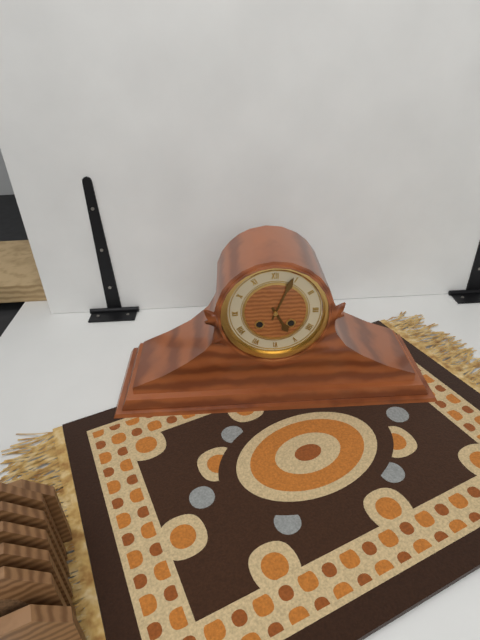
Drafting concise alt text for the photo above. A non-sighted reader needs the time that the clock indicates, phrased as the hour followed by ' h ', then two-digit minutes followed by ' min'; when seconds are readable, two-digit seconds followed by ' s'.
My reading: 5 h 04 min
